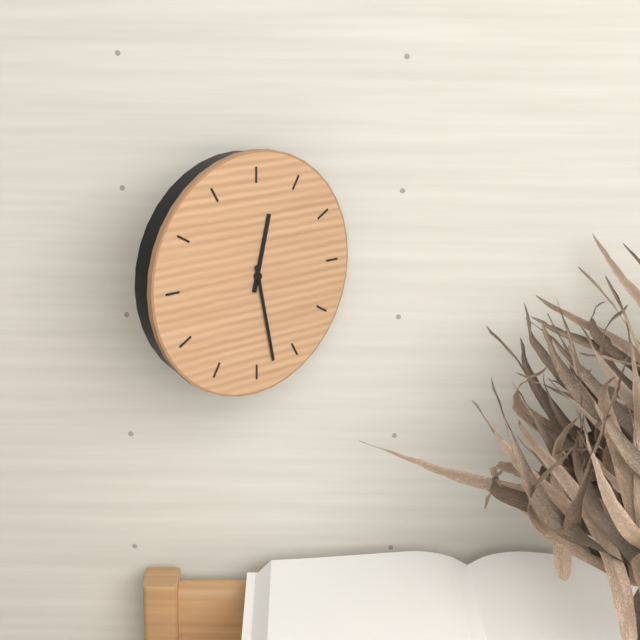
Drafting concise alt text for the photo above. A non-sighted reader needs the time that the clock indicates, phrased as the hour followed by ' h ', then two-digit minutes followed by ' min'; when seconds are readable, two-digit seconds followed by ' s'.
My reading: 12 h 28 min
